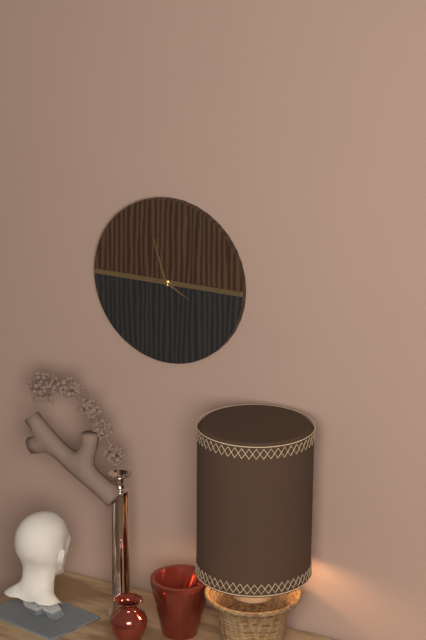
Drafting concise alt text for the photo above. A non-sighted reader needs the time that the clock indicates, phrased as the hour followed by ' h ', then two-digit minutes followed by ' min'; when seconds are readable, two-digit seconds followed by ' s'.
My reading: 3 h 57 min
